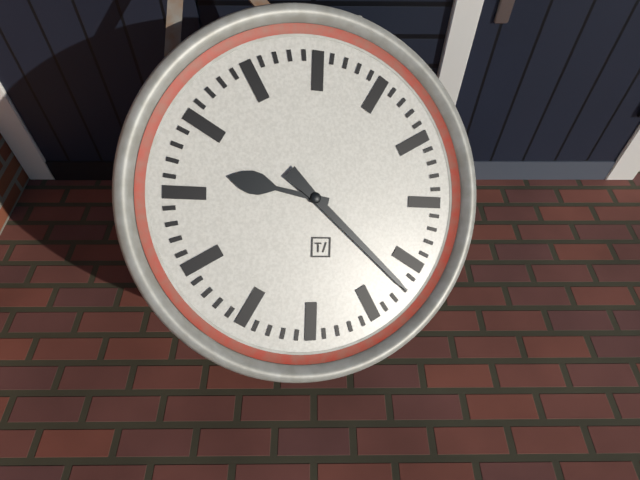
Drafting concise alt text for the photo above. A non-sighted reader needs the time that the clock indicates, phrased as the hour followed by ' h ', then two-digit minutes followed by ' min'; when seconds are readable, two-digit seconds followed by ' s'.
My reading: 9 h 22 min
